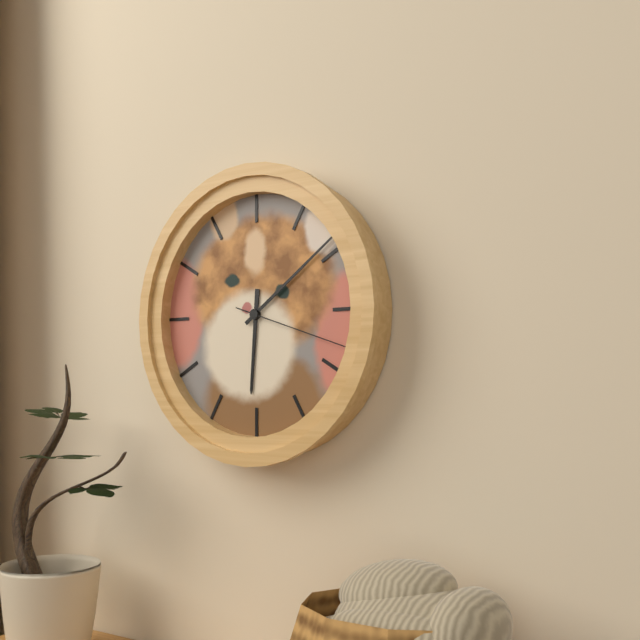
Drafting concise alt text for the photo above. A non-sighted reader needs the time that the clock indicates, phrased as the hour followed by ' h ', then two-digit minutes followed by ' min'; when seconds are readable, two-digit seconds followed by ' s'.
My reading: 6 h 09 min 18 s
